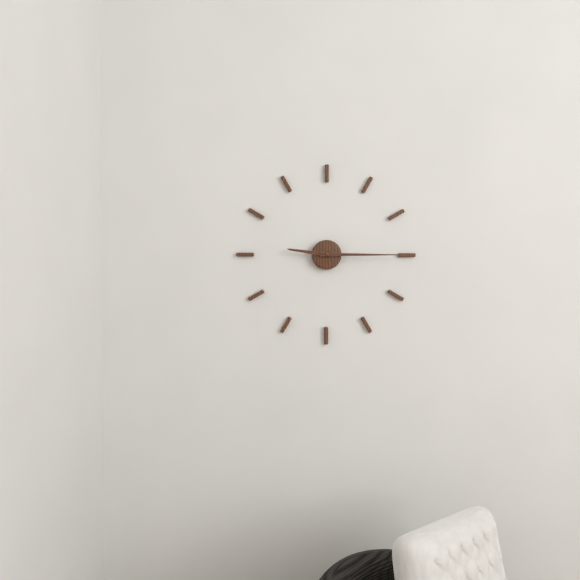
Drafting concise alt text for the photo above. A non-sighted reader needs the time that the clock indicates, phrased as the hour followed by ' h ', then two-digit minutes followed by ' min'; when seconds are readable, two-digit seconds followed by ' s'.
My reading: 9 h 15 min
